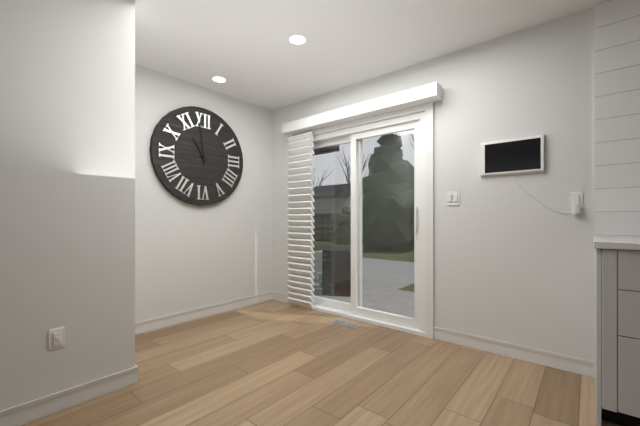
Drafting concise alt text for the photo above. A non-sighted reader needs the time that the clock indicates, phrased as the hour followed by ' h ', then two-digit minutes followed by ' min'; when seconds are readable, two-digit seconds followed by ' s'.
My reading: 10 h 59 min
